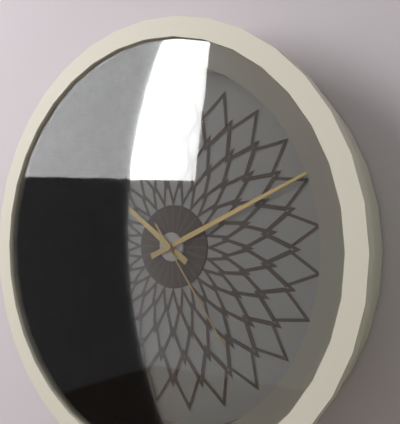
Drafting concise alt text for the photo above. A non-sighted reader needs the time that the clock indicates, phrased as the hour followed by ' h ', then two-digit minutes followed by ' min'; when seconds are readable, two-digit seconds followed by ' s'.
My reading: 10 h 11 min 24 s
